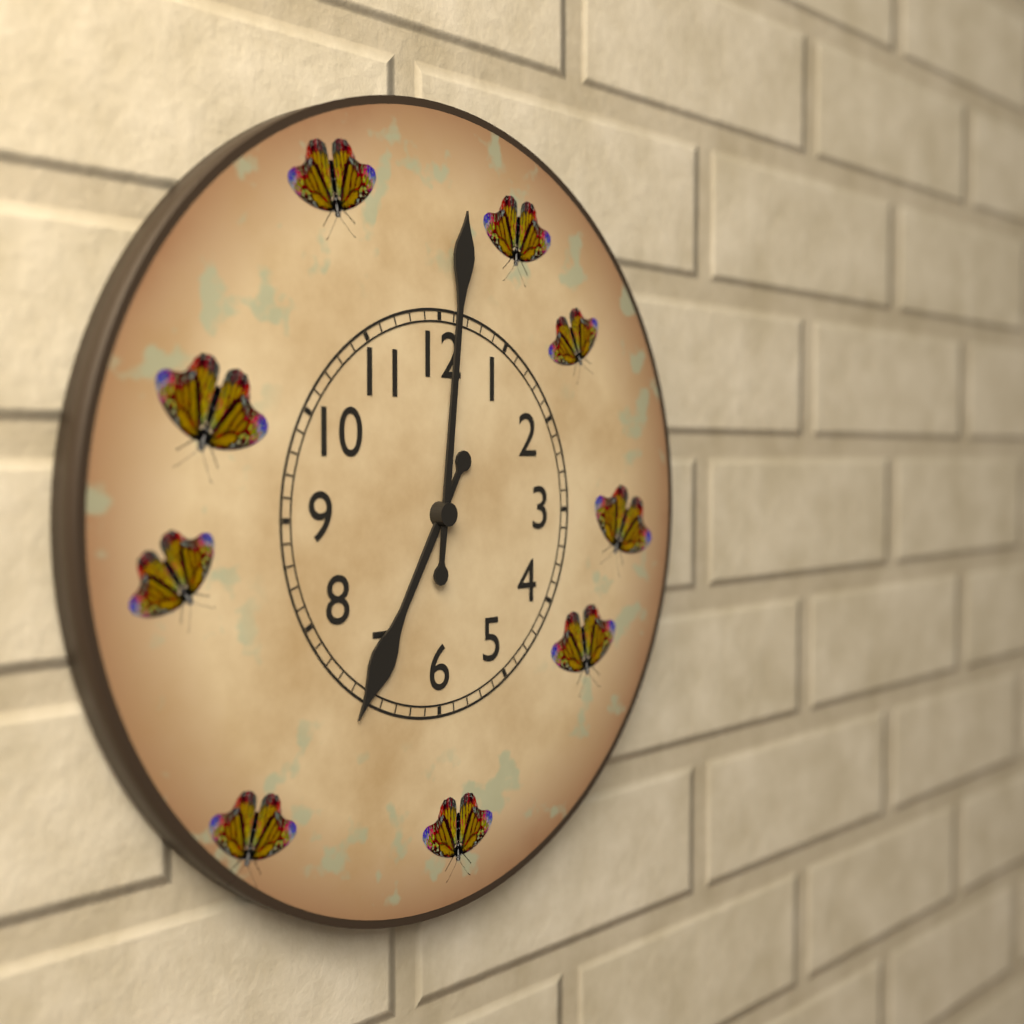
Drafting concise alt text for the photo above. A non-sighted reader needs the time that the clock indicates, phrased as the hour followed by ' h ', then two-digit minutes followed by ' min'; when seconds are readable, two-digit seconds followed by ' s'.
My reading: 7 h 01 min
